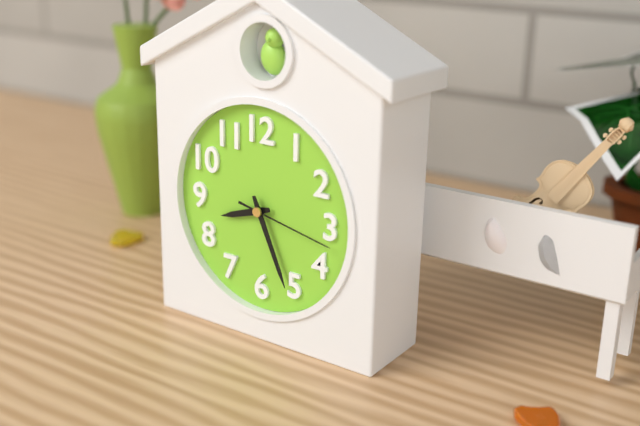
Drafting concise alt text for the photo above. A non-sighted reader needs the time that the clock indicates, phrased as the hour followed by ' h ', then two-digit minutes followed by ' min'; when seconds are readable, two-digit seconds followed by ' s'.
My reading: 8 h 26 min 17 s
